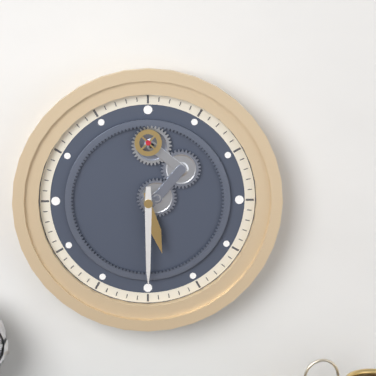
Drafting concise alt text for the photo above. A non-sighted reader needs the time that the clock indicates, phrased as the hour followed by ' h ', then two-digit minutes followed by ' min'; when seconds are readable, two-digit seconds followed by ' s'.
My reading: 5 h 30 min
